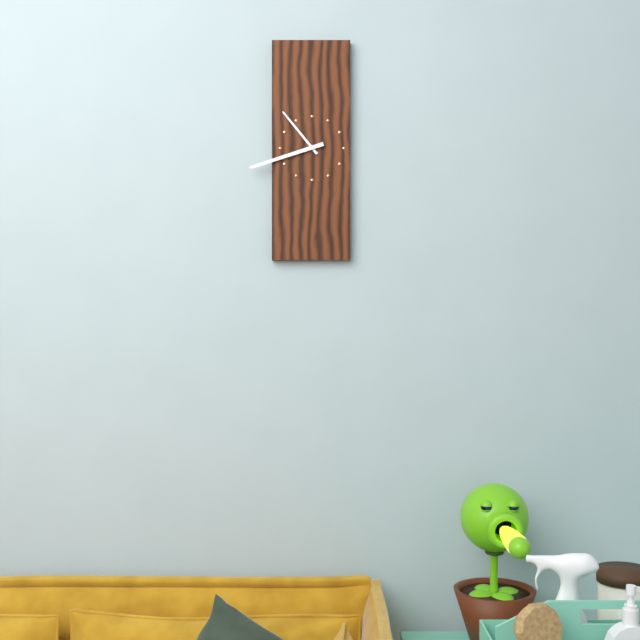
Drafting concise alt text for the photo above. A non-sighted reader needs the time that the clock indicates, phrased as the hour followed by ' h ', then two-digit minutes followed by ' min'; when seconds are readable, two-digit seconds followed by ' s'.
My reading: 10 h 42 min
